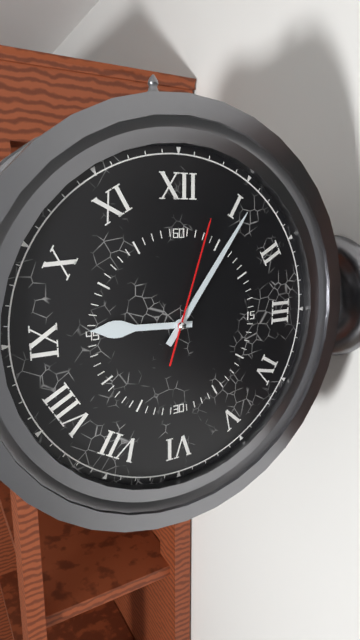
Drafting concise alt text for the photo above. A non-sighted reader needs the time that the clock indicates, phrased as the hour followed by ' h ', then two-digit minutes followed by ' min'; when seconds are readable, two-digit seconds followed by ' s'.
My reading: 9 h 06 min 03 s
